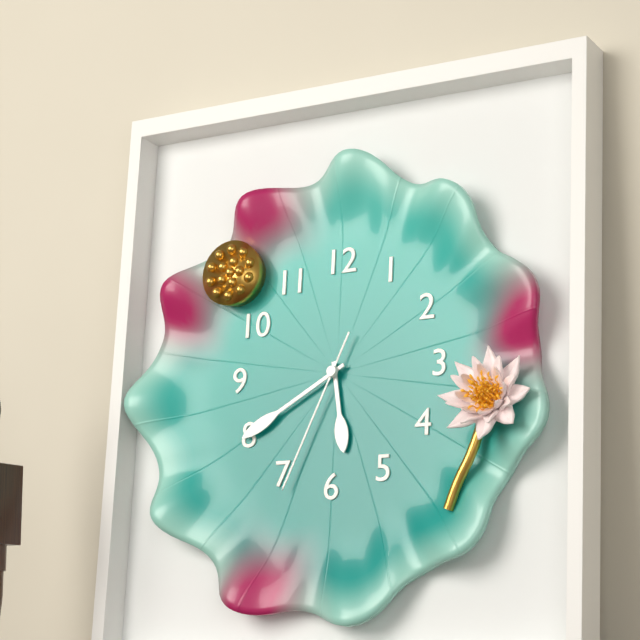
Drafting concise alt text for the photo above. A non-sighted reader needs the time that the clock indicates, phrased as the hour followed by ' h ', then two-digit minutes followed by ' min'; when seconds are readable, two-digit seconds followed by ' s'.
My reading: 5 h 40 min 34 s
